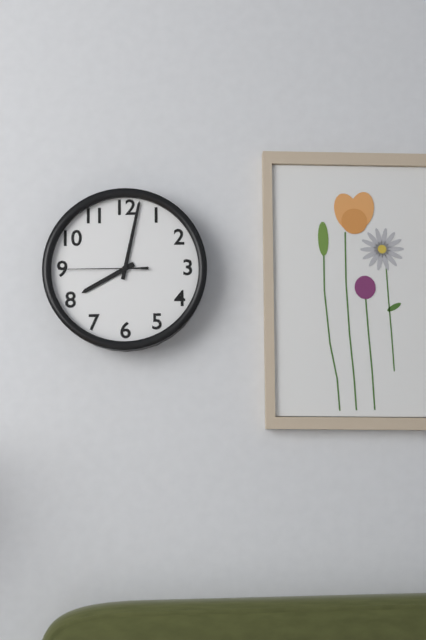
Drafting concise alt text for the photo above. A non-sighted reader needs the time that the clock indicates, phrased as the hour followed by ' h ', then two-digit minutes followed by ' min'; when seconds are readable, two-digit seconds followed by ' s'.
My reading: 8 h 02 min 45 s
